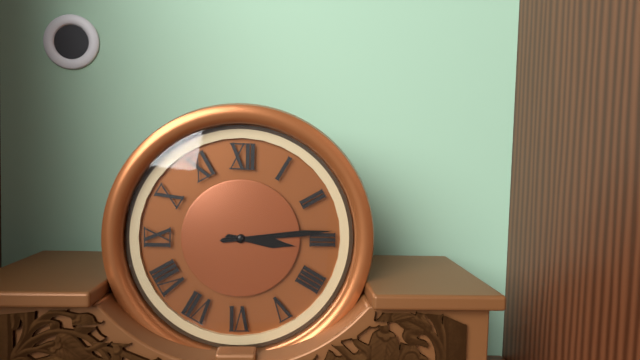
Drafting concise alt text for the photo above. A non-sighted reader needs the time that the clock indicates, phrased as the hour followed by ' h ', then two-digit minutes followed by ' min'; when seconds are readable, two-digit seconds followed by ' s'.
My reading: 3 h 14 min
